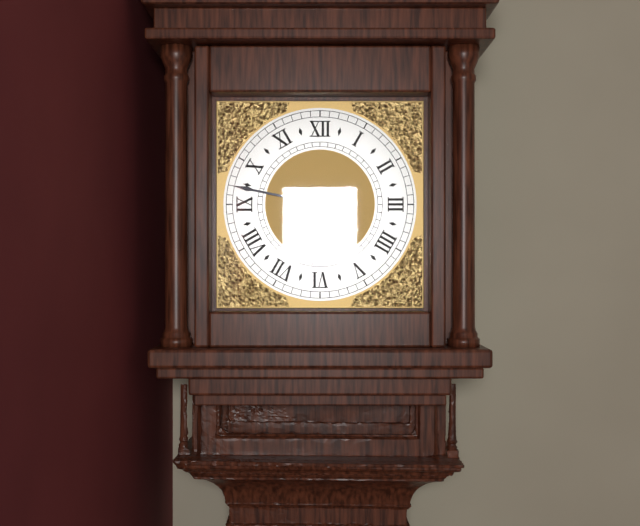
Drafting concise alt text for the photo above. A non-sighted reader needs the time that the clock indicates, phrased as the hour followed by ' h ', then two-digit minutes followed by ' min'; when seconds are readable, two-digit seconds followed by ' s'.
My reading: 4 h 47 min
